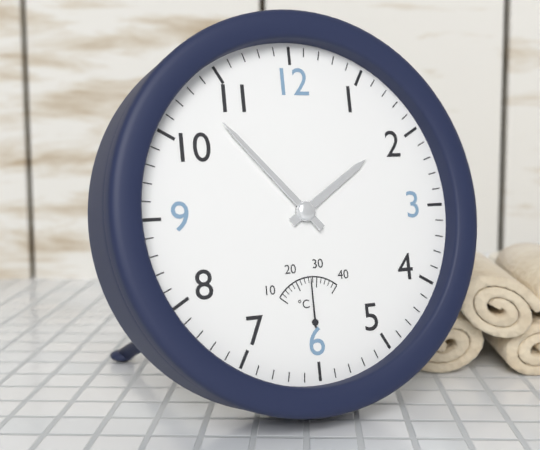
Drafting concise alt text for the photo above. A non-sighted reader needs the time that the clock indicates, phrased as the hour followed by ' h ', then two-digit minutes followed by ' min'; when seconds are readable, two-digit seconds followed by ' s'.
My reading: 1 h 53 min
